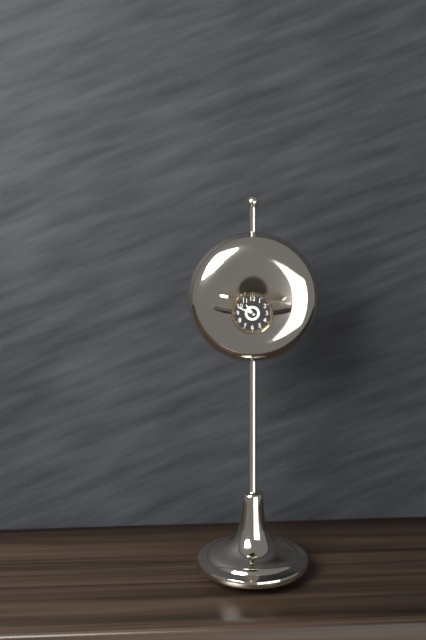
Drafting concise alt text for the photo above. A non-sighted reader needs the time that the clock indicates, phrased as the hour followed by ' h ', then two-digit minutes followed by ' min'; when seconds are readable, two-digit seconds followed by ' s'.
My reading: 10 h 49 min
